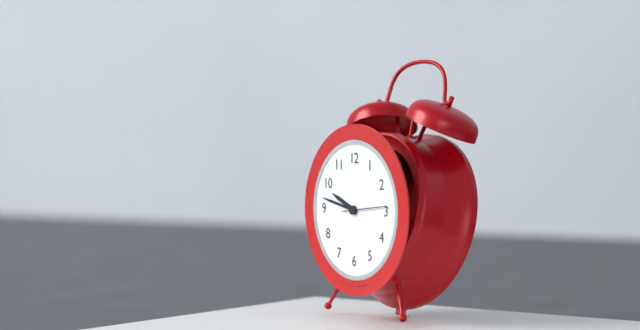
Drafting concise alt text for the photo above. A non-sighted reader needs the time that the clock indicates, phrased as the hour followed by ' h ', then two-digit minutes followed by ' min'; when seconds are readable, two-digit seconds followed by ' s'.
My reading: 9 h 47 min
